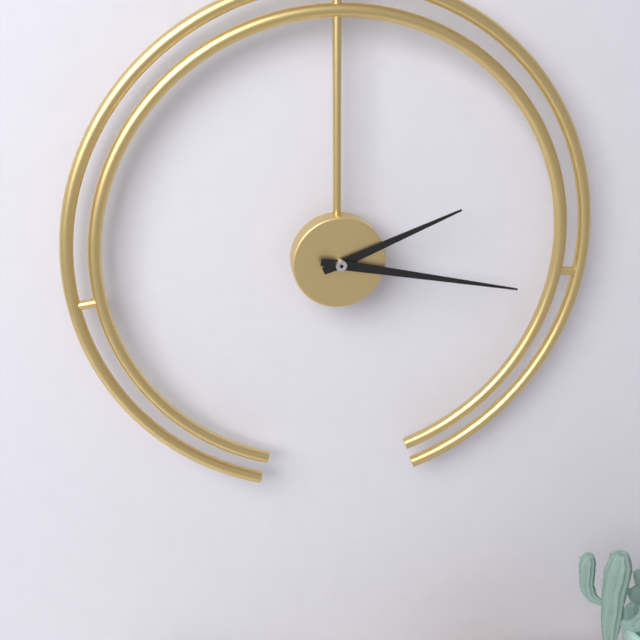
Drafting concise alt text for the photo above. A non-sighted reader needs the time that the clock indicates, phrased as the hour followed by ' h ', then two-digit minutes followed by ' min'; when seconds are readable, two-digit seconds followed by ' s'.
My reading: 2 h 17 min
